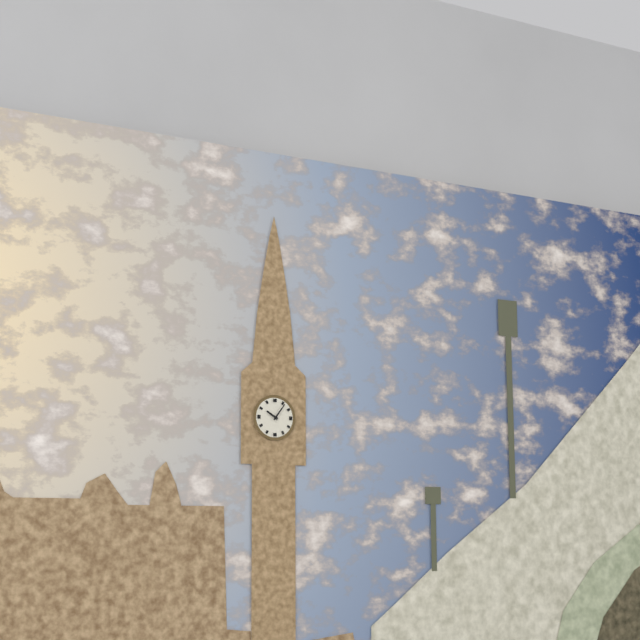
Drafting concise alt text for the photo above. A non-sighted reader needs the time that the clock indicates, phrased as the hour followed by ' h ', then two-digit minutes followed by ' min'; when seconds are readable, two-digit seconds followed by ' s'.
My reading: 10 h 06 min
